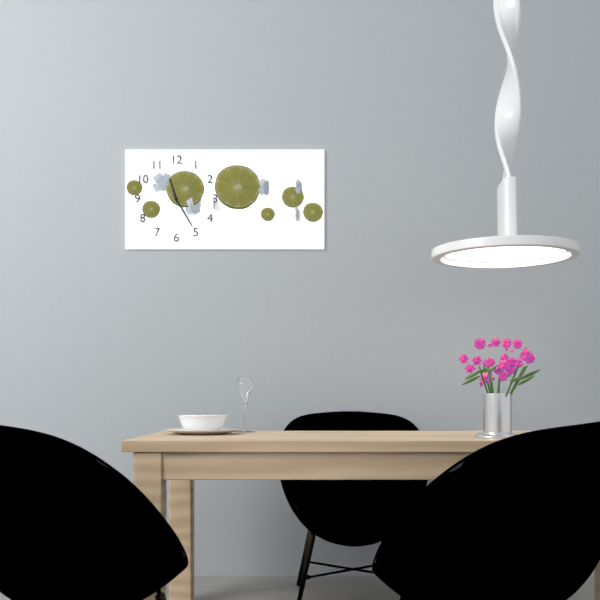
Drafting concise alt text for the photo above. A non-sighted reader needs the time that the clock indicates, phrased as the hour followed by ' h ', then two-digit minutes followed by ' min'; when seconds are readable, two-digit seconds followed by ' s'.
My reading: 11 h 25 min
